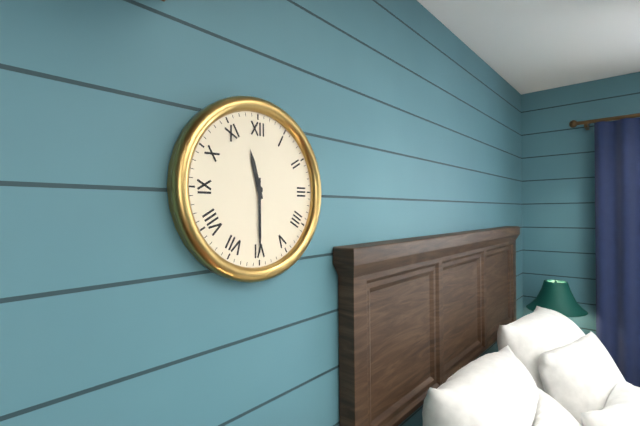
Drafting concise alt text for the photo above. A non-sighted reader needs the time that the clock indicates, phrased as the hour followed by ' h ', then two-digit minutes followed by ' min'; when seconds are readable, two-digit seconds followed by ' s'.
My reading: 11 h 30 min
